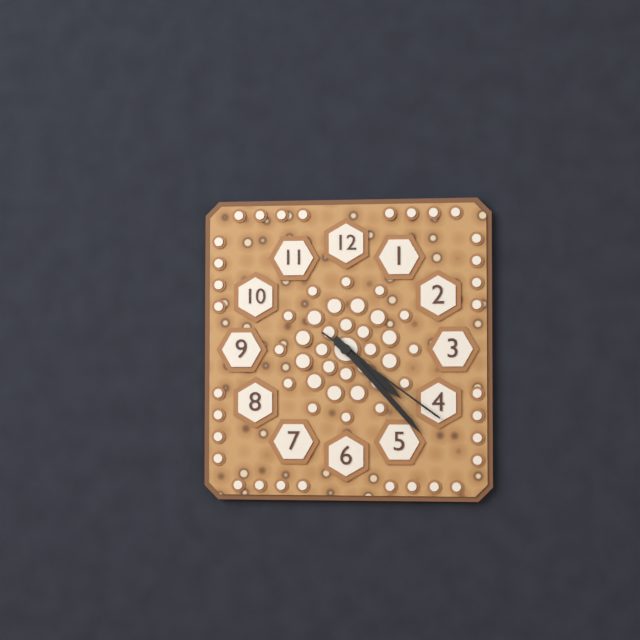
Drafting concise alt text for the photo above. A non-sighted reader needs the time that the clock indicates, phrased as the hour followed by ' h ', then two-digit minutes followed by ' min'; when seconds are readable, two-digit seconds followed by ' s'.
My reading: 4 h 23 min 21 s
